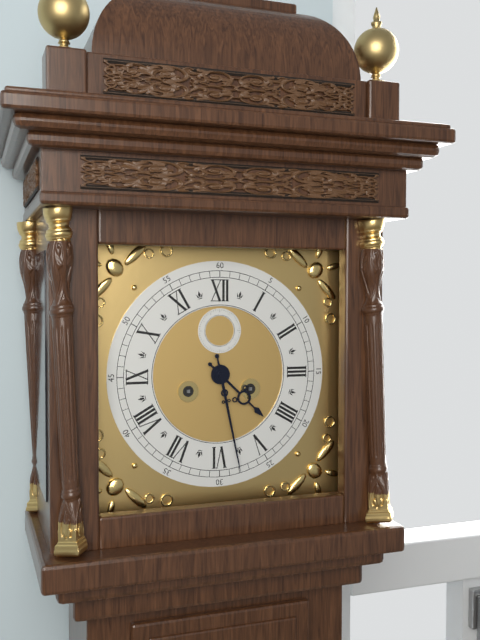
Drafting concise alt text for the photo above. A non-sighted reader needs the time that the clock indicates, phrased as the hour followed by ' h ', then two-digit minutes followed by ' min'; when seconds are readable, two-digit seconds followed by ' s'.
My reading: 4 h 28 min
